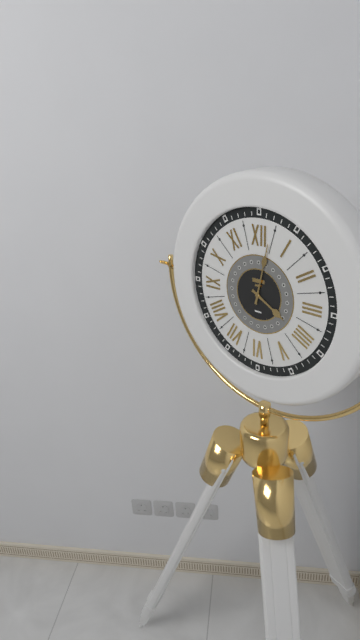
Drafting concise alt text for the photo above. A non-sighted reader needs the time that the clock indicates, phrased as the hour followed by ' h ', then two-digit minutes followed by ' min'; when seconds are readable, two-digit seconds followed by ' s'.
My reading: 4 h 02 min
